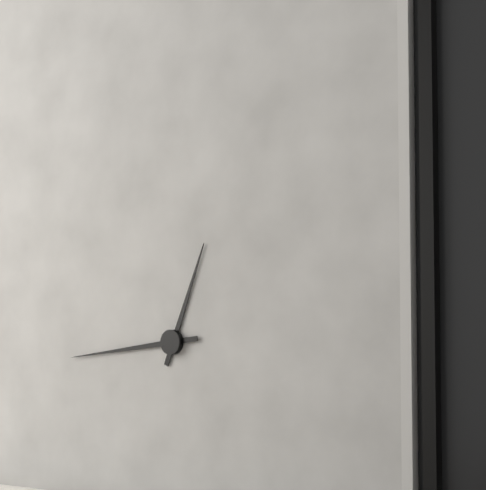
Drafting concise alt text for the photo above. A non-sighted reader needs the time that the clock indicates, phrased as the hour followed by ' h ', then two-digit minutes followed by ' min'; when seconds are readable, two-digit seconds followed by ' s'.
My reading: 12 h 44 min
